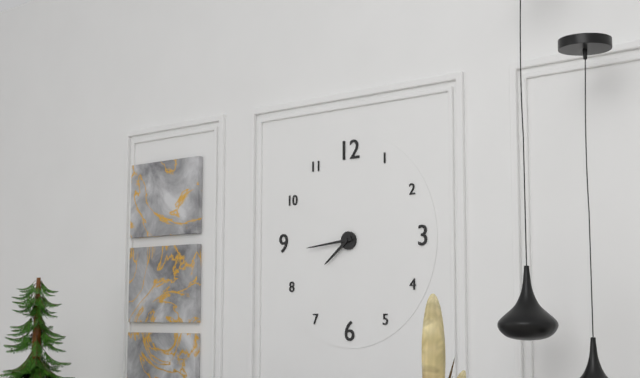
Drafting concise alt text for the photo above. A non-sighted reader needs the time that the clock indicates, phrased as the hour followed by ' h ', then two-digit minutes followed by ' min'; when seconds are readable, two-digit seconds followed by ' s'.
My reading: 7 h 44 min
